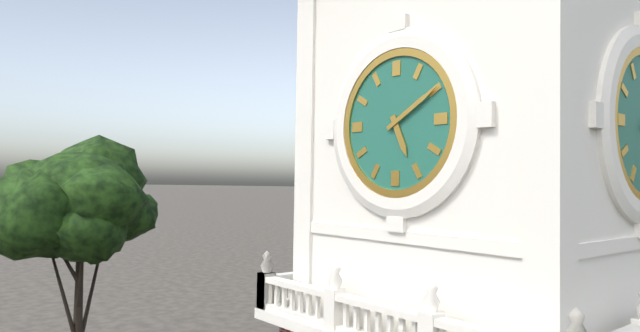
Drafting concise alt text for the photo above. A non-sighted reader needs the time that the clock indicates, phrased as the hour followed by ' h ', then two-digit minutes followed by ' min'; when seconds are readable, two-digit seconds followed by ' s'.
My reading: 5 h 10 min
